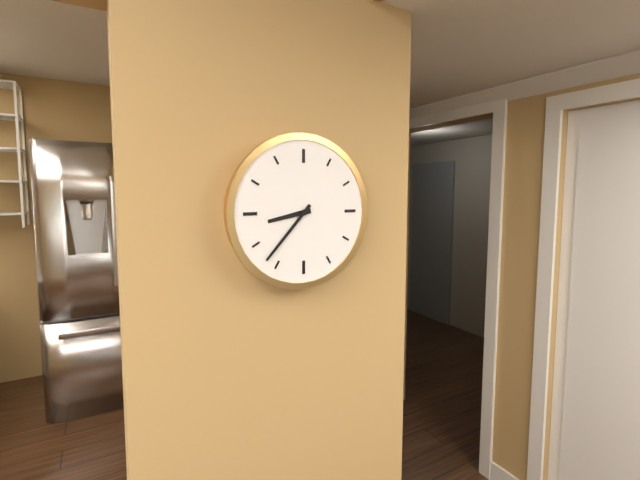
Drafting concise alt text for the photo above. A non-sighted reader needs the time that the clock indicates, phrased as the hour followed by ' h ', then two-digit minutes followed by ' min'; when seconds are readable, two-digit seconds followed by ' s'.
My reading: 8 h 37 min
